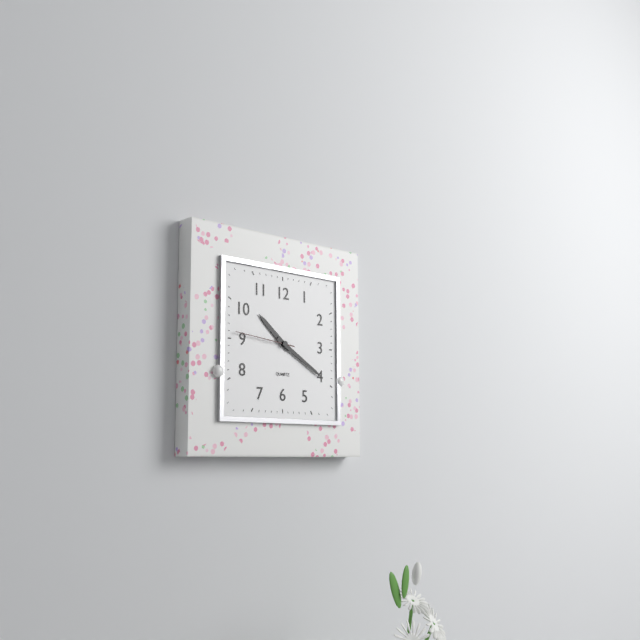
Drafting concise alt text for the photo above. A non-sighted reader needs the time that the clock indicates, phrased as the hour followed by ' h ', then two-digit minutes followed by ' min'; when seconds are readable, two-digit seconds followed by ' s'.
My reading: 10 h 20 min 46 s
